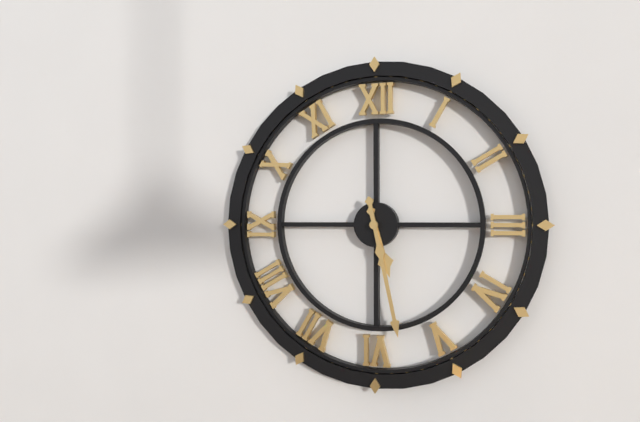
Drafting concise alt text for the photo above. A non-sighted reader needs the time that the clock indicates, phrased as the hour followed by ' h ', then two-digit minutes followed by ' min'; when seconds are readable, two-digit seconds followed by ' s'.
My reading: 5 h 28 min
